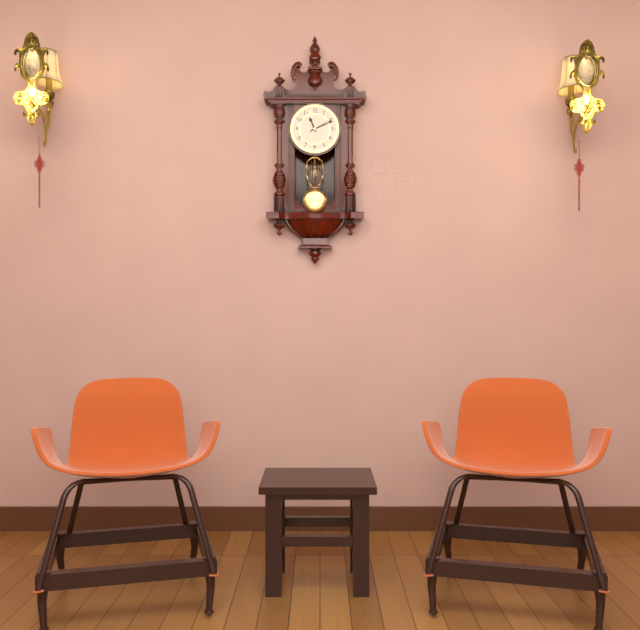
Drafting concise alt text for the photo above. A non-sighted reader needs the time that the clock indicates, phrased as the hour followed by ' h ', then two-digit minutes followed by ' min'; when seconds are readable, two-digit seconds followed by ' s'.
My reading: 11 h 11 min
